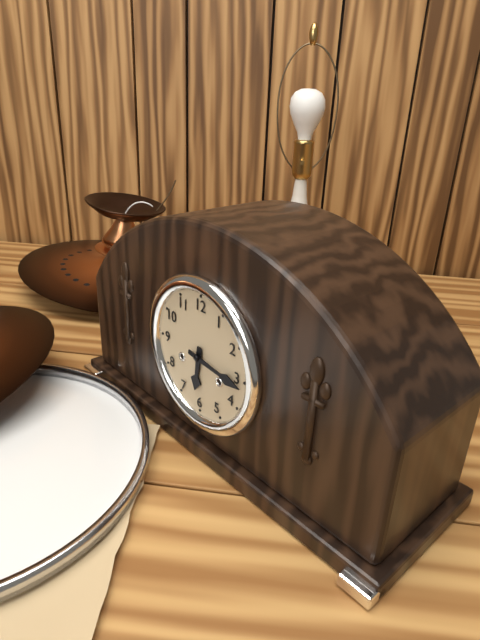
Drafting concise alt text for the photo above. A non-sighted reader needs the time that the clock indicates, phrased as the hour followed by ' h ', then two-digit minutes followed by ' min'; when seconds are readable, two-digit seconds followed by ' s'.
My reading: 6 h 16 min
